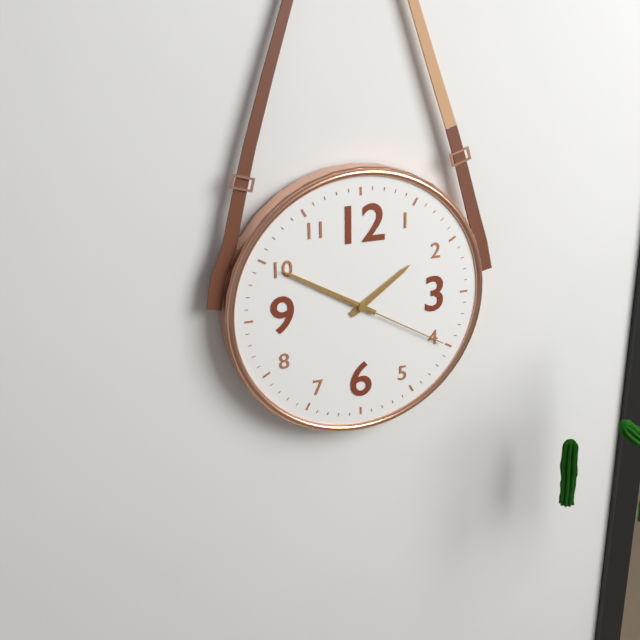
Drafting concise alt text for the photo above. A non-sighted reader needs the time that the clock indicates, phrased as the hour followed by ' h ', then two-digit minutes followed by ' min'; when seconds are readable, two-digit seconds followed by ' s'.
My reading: 1 h 50 min 20 s
